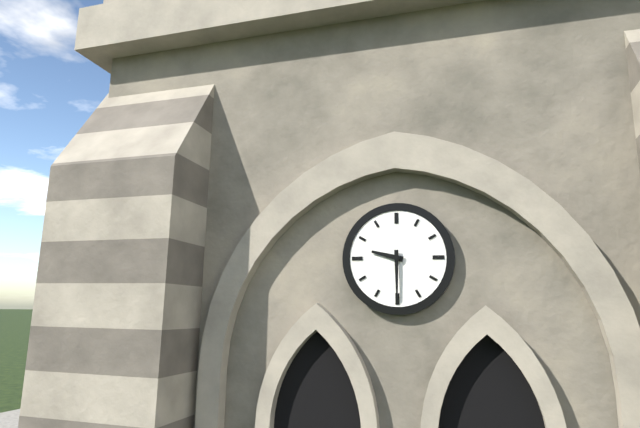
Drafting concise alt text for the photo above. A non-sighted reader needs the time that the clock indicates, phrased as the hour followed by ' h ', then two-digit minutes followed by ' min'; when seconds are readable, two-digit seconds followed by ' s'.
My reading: 9 h 30 min
